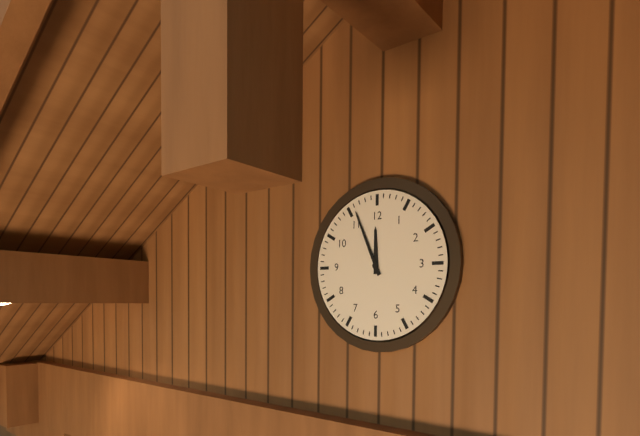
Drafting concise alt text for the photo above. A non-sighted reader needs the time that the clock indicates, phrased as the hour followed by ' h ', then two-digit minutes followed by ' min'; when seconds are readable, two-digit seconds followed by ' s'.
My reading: 11 h 56 min
